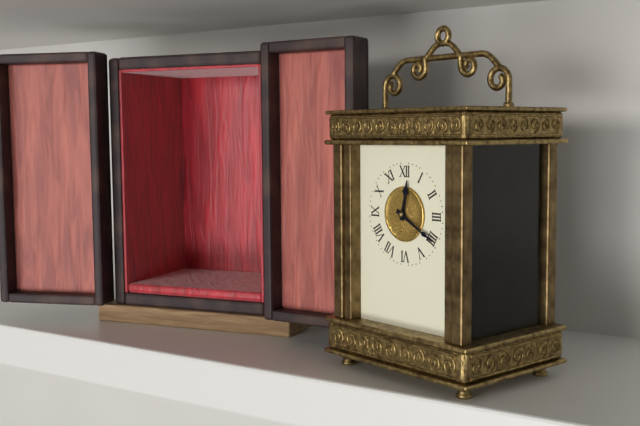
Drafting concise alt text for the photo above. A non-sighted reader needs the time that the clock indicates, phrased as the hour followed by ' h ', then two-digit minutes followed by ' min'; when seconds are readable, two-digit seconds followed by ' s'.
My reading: 12 h 20 min
